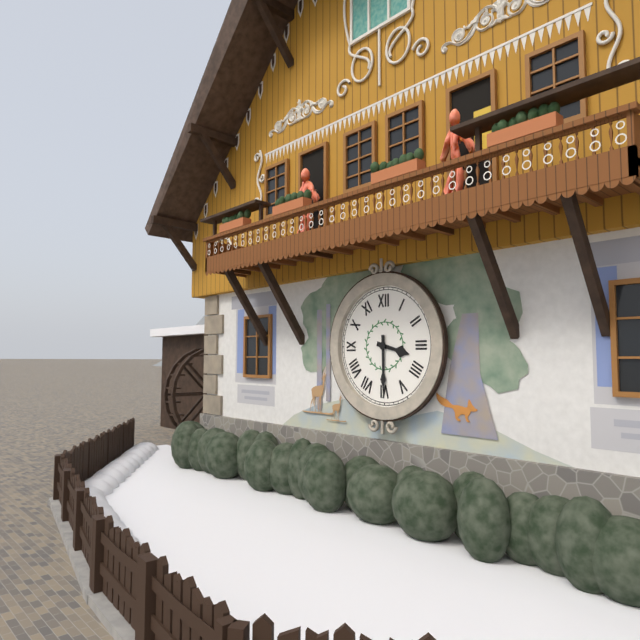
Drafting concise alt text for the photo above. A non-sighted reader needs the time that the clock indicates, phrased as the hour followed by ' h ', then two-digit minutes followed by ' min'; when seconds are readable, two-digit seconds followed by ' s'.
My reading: 3 h 30 min
